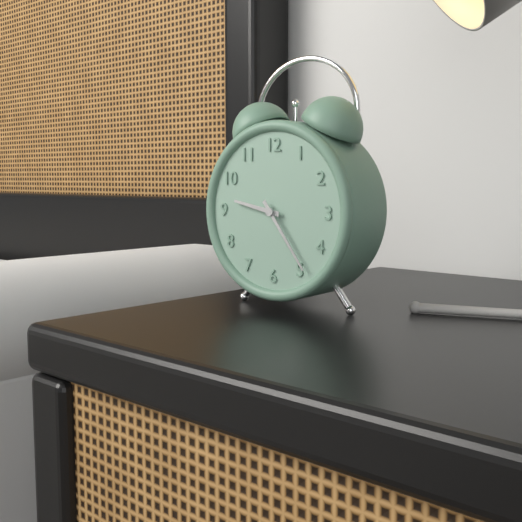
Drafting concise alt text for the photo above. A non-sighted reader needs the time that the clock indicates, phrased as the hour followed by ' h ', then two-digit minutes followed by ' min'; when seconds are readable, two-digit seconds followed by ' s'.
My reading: 9 h 24 min
